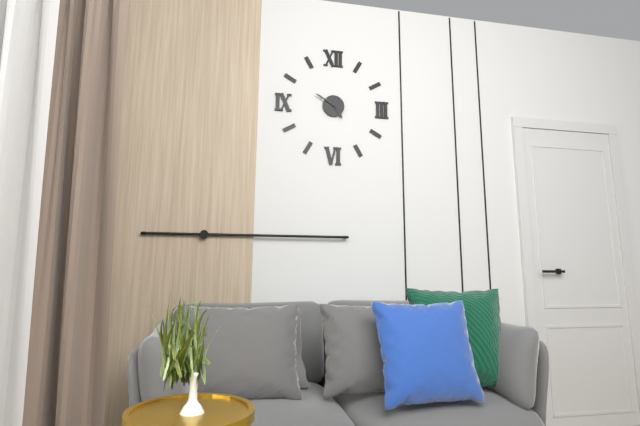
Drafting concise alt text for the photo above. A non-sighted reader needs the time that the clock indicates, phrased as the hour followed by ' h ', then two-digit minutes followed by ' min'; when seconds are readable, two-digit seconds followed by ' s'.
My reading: 4 h 50 min
